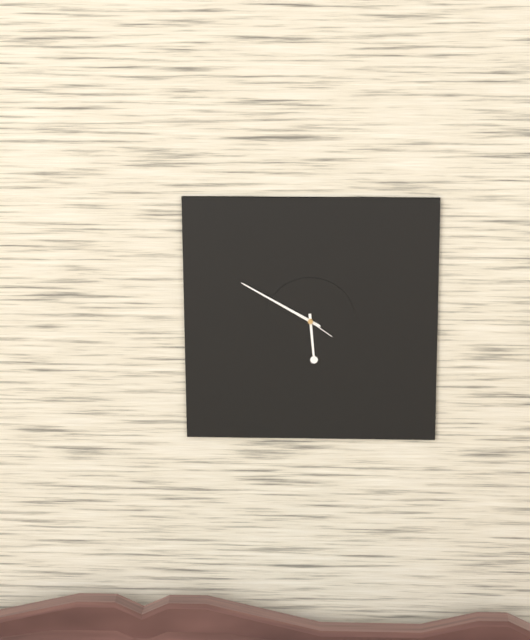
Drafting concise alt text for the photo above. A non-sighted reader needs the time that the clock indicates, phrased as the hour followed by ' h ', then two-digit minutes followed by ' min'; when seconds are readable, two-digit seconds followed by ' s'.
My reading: 5 h 50 min
